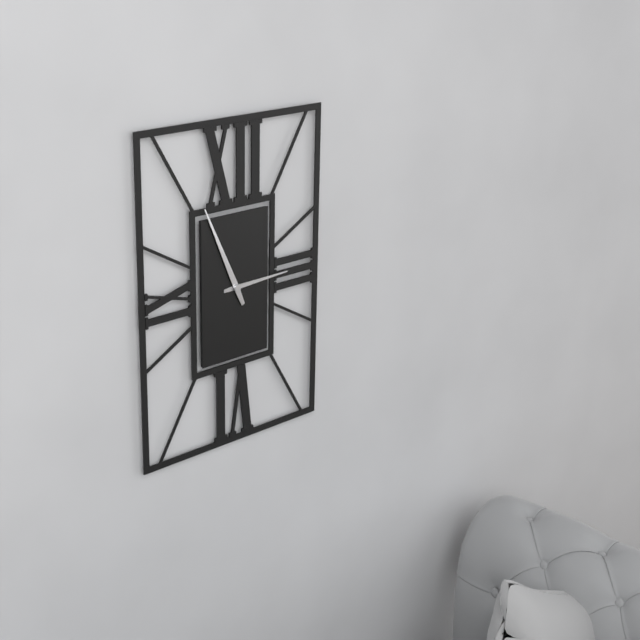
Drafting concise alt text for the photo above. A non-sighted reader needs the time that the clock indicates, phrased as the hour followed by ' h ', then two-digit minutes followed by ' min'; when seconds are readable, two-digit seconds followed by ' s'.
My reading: 2 h 56 min
